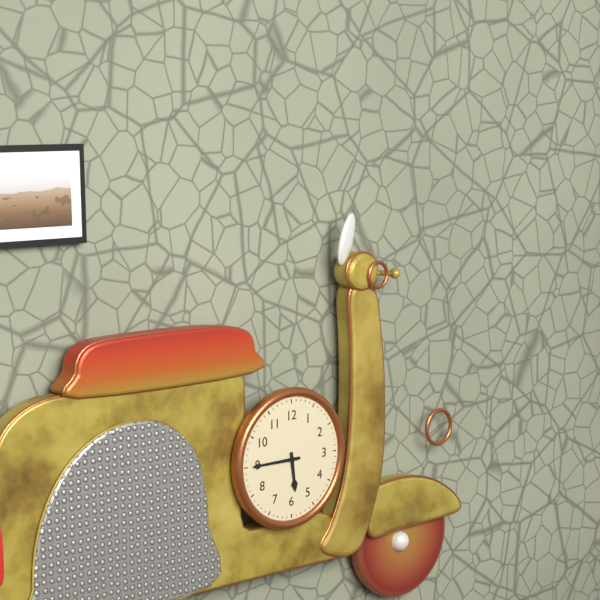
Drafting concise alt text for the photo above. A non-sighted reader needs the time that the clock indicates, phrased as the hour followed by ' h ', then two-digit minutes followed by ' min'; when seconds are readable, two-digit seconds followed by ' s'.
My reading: 5 h 45 min
